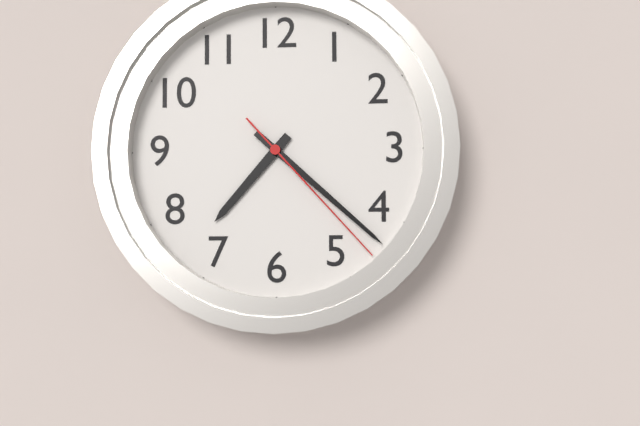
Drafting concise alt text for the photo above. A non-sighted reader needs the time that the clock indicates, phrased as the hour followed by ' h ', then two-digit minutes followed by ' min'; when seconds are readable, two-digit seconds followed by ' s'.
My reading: 7 h 22 min 23 s
